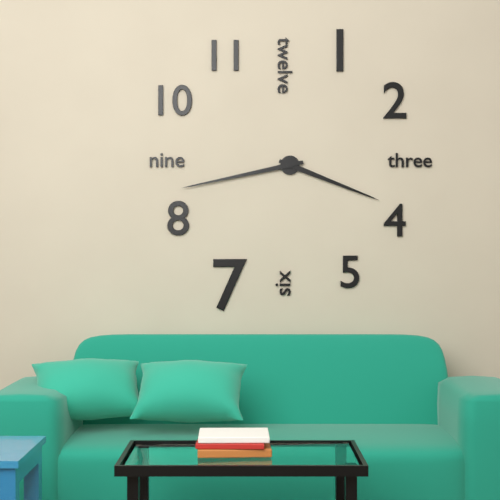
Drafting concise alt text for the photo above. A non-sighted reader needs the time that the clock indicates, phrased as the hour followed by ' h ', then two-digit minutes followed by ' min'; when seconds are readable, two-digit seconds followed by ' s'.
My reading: 3 h 43 min
